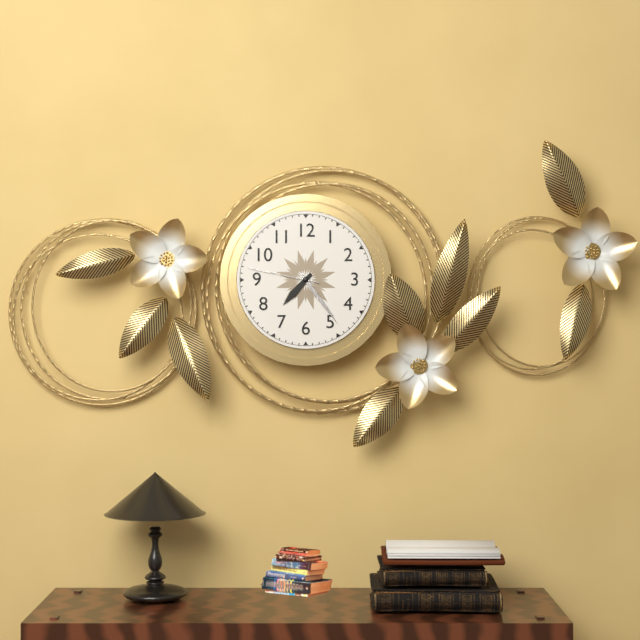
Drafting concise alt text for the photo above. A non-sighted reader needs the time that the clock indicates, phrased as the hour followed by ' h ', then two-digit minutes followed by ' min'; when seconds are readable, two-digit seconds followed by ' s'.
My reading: 7 h 24 min 47 s
